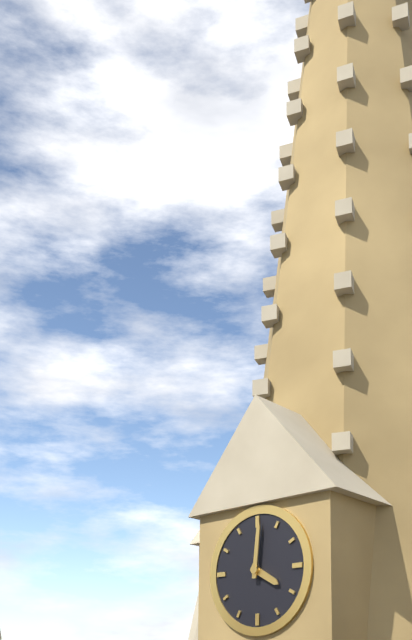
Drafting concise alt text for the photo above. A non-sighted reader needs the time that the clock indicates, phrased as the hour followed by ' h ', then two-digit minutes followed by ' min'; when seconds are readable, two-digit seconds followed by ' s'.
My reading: 4 h 01 min
